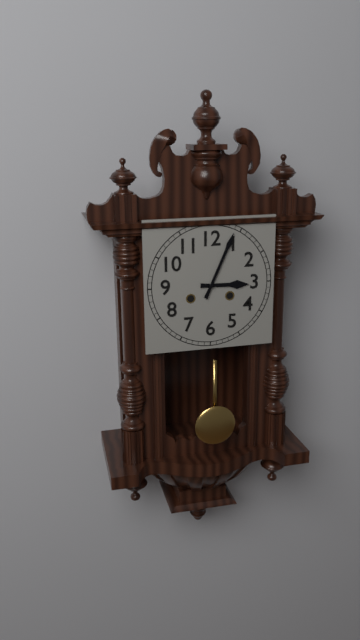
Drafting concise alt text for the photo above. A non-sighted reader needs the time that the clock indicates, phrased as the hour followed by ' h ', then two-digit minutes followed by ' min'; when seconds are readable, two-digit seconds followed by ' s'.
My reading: 3 h 04 min
